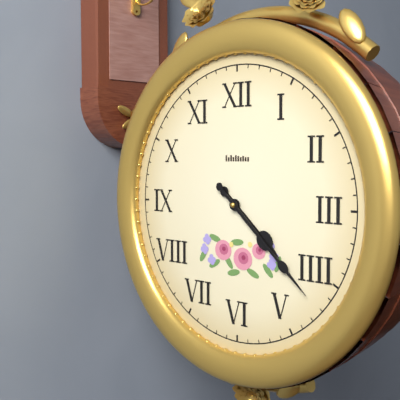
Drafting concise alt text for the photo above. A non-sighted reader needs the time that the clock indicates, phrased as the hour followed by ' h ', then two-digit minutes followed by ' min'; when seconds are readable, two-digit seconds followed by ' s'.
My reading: 4 h 22 min
